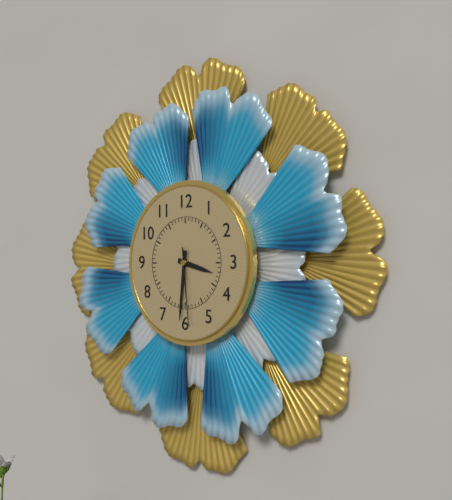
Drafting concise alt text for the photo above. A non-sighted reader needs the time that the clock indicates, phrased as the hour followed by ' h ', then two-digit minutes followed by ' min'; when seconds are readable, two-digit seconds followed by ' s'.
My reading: 3 h 31 min 29 s
